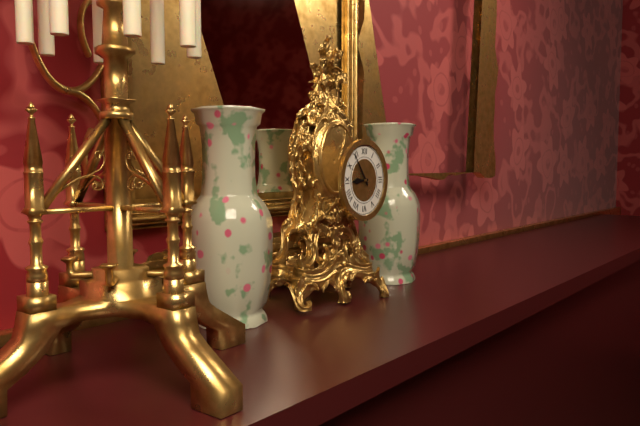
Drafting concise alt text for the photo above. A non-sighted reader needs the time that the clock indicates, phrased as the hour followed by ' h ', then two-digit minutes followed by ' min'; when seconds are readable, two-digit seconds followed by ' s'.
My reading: 8 h 54 min
